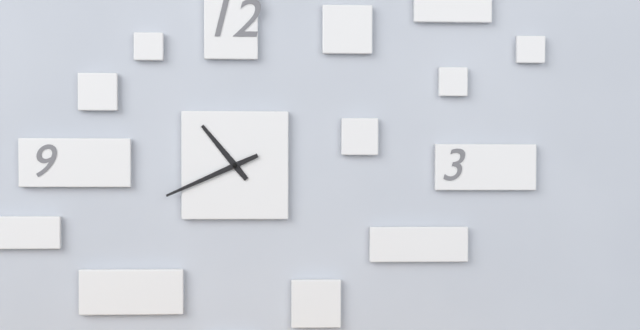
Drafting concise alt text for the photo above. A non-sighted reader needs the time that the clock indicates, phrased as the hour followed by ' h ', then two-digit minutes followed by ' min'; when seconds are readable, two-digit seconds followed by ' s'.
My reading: 10 h 41 min
